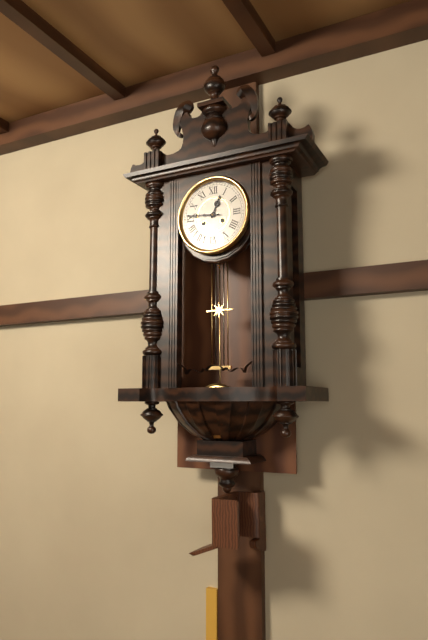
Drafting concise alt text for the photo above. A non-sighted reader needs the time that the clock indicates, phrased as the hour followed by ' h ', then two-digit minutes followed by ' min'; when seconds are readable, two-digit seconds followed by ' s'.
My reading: 12 h 46 min
